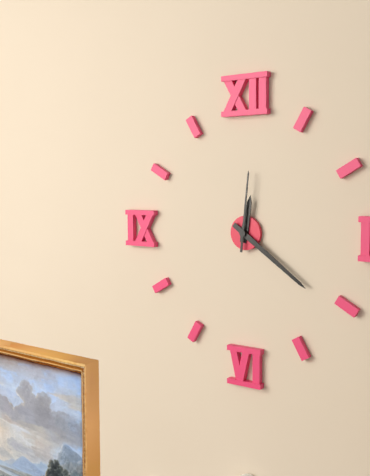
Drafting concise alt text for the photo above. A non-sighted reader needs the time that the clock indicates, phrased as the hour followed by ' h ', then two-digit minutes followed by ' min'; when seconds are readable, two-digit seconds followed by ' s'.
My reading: 12 h 21 min 01 s
